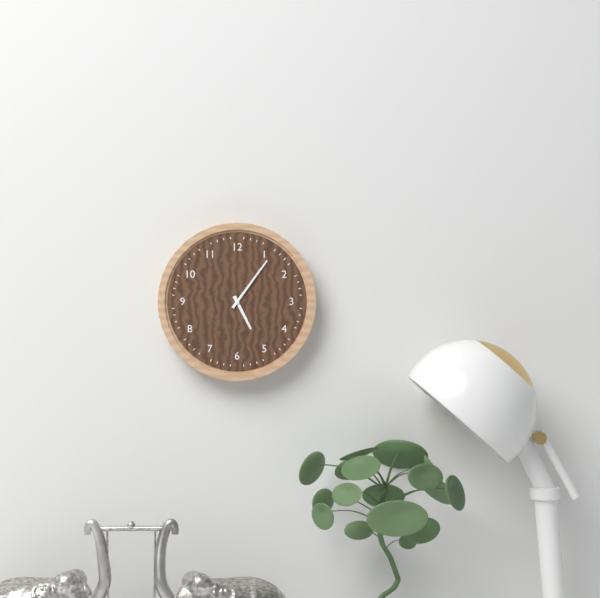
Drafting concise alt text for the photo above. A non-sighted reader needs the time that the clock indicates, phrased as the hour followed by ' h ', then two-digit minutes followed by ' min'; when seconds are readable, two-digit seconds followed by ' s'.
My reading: 5 h 06 min
